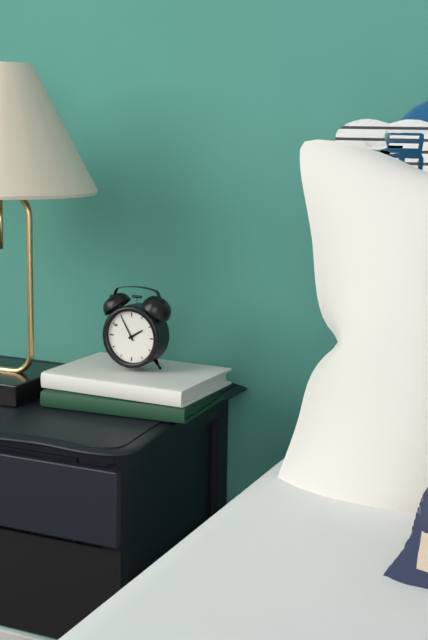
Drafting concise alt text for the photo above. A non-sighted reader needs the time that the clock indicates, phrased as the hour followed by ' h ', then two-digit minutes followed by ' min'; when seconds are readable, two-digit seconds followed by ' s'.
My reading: 1 h 55 min
